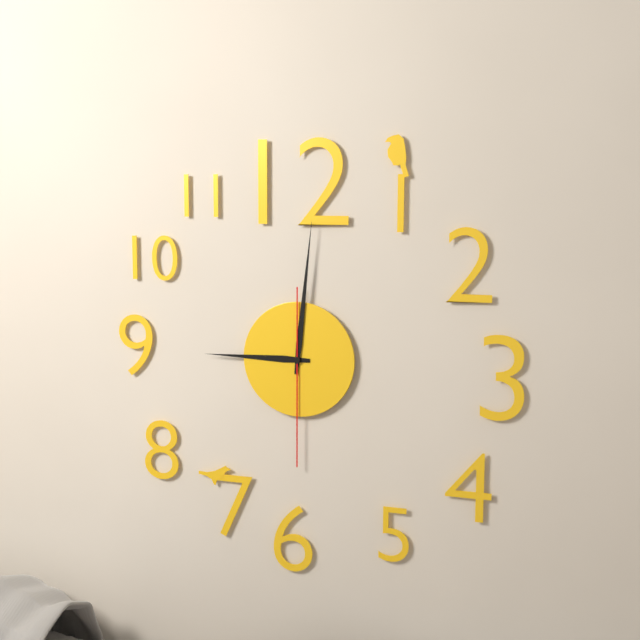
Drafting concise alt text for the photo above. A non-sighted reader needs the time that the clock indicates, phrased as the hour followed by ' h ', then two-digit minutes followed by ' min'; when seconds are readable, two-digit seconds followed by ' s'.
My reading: 9 h 01 min 30 s
